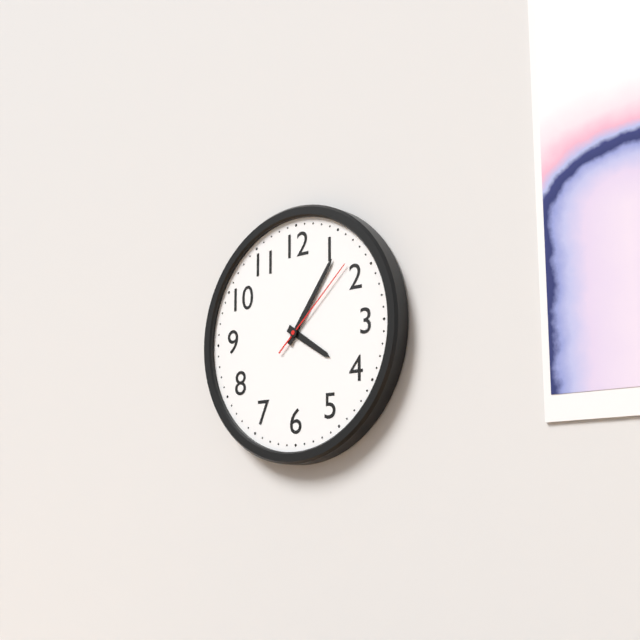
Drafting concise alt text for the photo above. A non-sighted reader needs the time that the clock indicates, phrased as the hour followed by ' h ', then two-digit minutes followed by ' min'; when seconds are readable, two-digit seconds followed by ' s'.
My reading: 4 h 06 min 08 s
